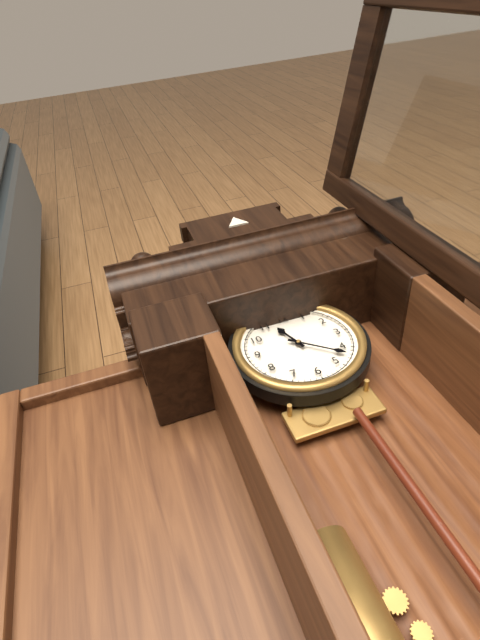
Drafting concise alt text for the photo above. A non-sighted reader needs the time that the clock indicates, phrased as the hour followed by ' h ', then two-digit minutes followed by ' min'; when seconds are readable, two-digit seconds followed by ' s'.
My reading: 11 h 22 min
